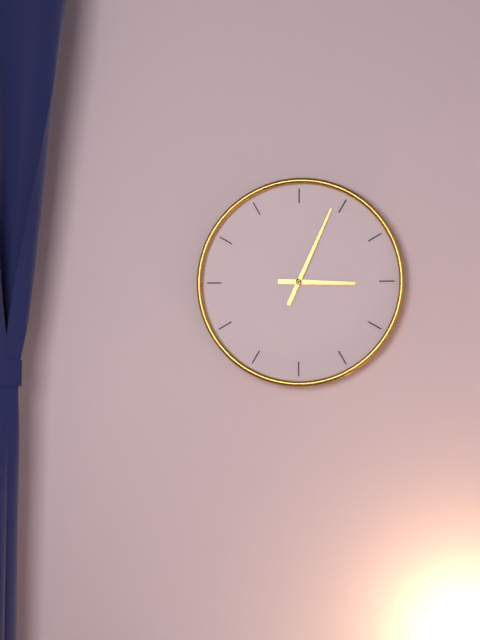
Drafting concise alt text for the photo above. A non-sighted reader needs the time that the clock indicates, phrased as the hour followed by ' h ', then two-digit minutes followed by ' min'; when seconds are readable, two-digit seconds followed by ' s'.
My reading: 3 h 04 min
